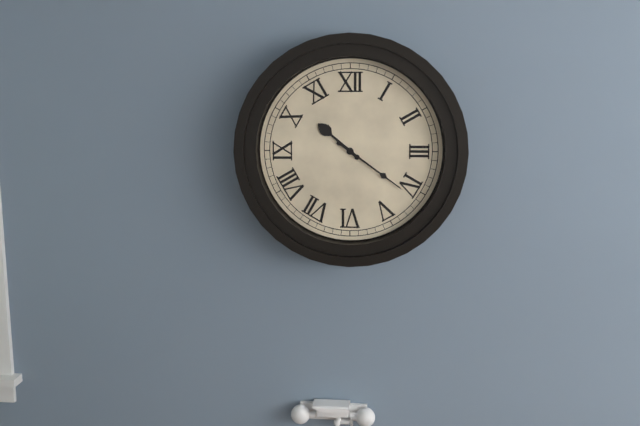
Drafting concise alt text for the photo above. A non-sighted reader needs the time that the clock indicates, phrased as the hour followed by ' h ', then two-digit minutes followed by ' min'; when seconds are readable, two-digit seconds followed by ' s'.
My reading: 10 h 21 min
